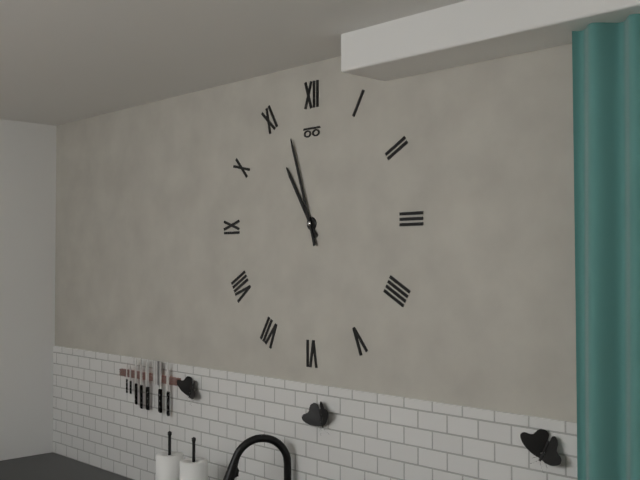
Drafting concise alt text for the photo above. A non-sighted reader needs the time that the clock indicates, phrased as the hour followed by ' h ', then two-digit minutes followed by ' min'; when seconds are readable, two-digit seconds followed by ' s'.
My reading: 10 h 57 min
